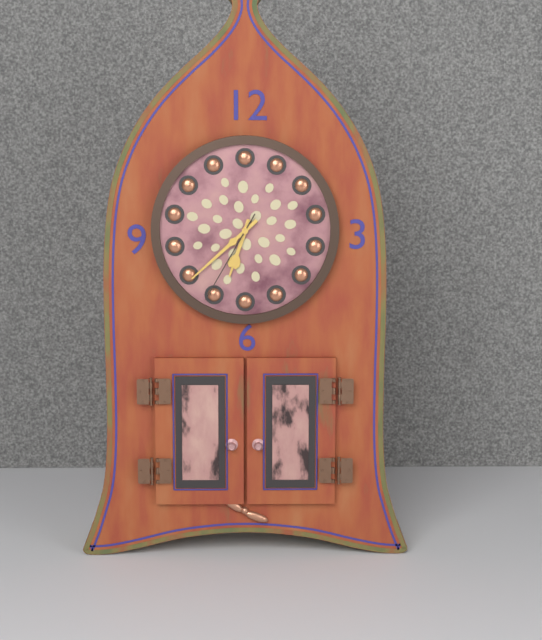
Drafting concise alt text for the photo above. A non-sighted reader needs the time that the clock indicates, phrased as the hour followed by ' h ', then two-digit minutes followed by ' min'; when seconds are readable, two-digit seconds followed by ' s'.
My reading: 6 h 38 min 35 s
